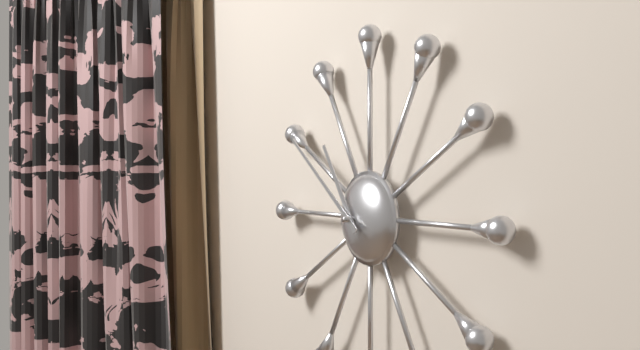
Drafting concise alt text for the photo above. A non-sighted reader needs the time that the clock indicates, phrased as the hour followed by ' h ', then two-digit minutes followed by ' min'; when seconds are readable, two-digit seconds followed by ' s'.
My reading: 10 h 51 min
